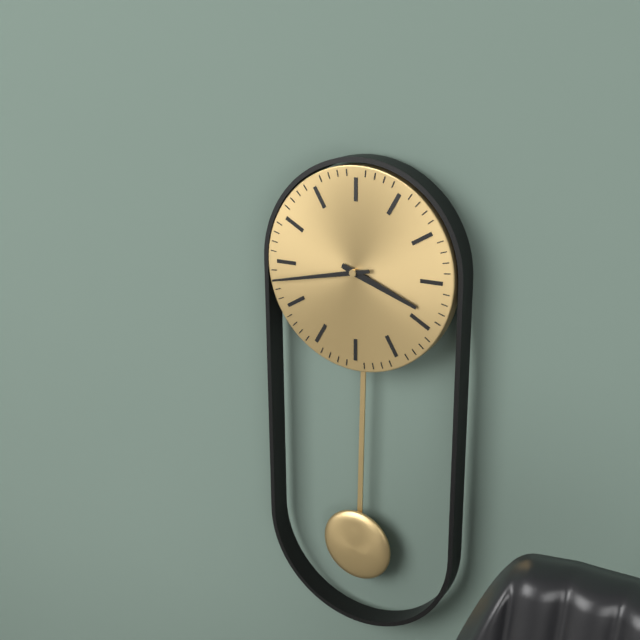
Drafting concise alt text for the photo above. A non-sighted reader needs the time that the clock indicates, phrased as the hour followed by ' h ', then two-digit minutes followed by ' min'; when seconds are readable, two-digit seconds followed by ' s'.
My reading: 3 h 43 min
